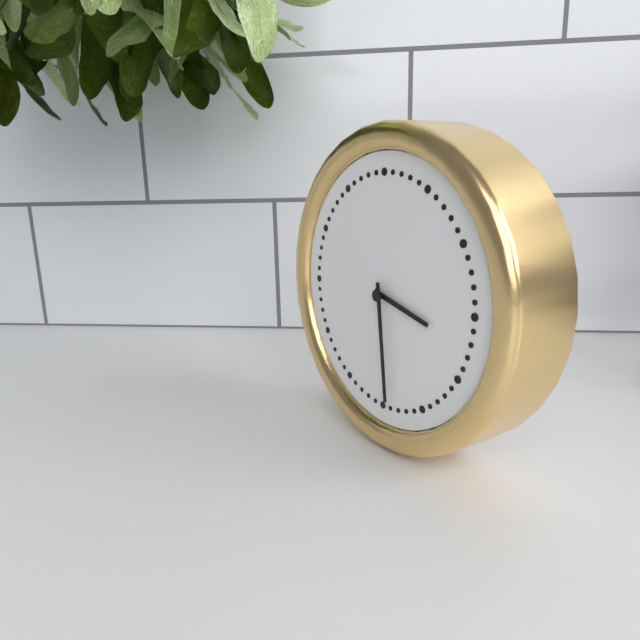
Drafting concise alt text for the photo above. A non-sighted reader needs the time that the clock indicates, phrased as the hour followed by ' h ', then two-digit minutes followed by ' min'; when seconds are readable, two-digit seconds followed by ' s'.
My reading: 3 h 29 min
